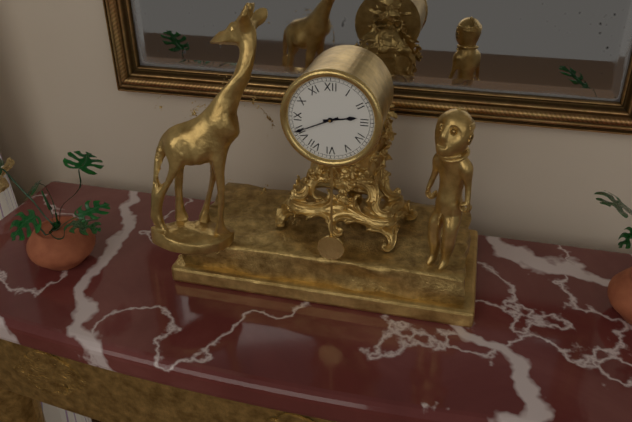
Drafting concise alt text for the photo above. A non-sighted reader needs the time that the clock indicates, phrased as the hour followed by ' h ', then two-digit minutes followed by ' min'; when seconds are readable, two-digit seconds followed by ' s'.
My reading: 2 h 41 min
